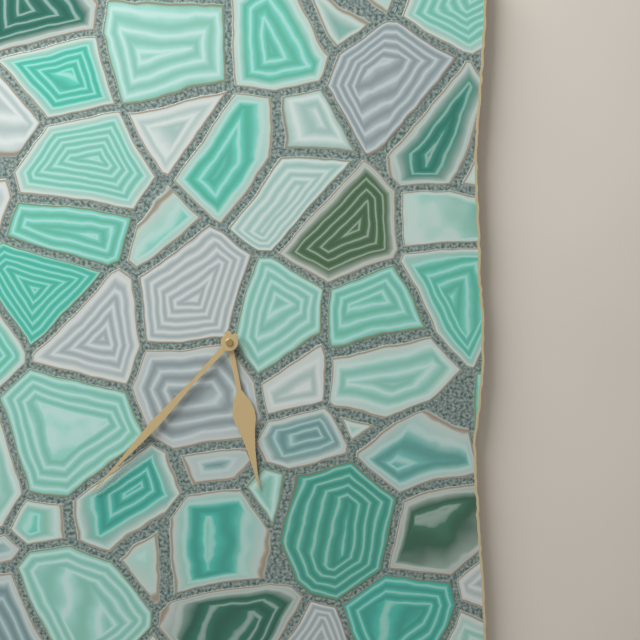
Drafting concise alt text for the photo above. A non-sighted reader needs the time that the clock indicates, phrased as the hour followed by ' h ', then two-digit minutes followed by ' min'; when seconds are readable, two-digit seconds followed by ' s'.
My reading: 5 h 37 min
